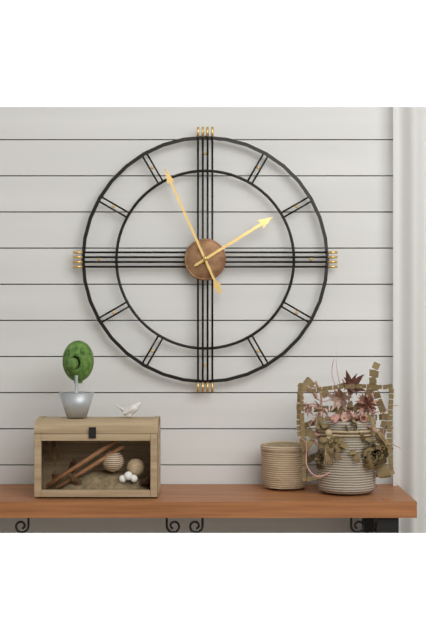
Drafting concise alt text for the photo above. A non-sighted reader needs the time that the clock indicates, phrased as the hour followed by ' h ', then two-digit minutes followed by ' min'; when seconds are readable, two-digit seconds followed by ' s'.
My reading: 1 h 56 min
